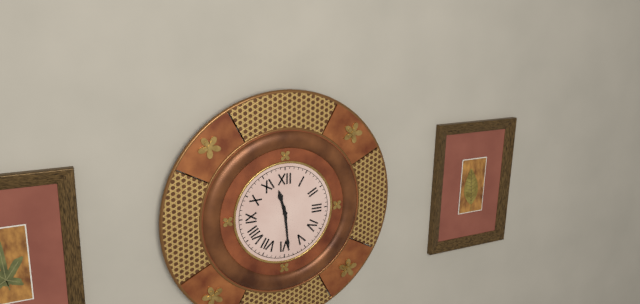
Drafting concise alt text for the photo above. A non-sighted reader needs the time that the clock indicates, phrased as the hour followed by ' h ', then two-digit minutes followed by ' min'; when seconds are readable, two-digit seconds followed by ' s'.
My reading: 11 h 29 min
